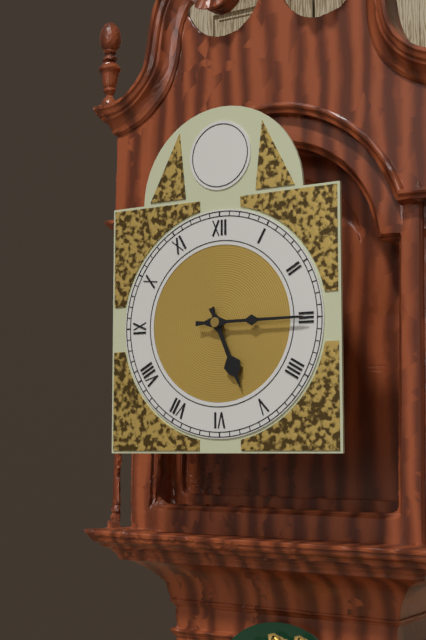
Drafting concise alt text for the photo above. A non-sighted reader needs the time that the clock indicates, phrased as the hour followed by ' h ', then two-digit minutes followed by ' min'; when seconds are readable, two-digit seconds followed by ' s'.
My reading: 5 h 15 min
